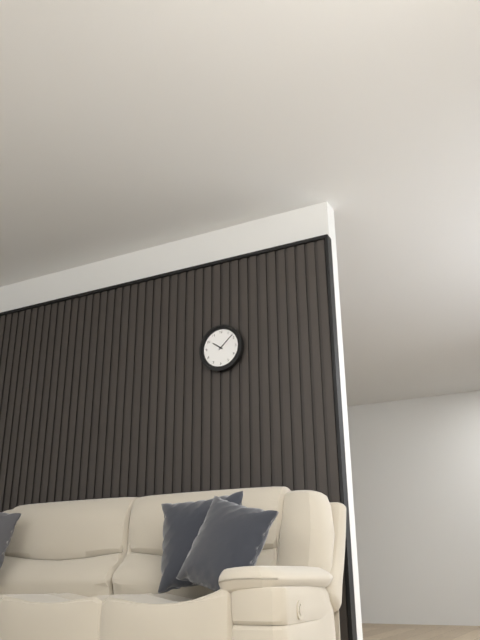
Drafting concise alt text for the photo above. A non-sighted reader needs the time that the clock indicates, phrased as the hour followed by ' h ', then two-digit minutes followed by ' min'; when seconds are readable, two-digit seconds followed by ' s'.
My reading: 10 h 08 min
